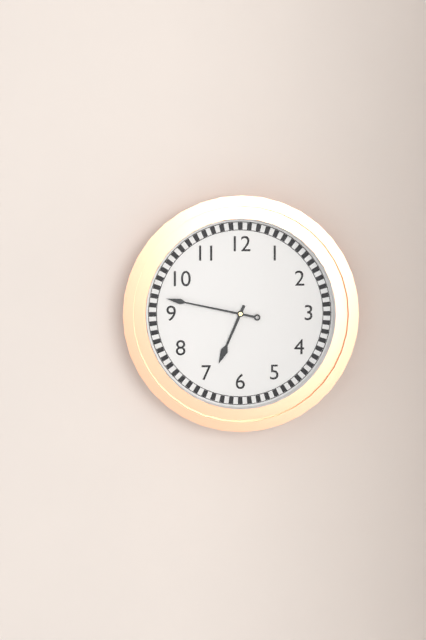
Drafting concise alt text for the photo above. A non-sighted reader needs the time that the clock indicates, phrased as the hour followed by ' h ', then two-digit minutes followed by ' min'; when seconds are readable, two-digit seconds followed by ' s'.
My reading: 6 h 47 min
